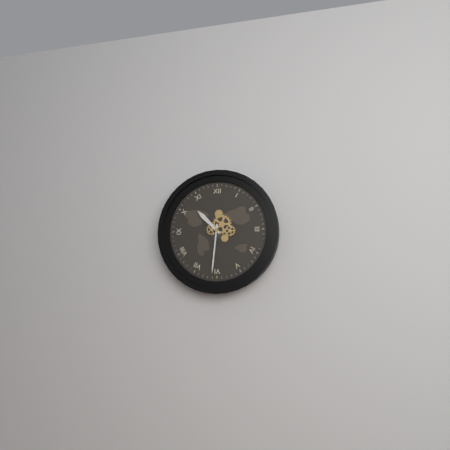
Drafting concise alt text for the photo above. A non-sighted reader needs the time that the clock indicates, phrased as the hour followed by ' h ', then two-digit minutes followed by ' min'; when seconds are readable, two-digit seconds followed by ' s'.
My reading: 10 h 31 min
